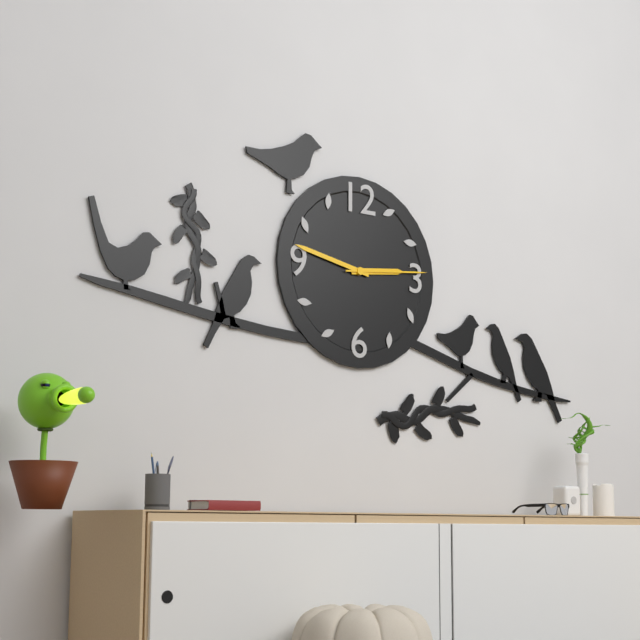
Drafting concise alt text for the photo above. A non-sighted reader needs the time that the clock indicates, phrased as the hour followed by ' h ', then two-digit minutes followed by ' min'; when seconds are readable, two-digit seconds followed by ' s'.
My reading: 2 h 47 min 14 s
